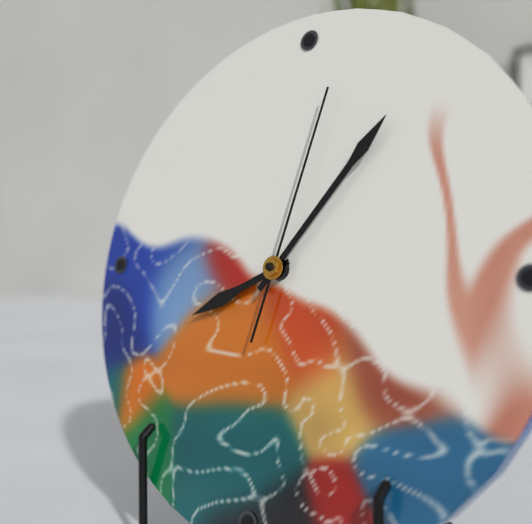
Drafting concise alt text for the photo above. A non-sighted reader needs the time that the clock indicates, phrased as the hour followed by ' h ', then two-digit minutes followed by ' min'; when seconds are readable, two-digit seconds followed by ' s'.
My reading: 8 h 06 min 02 s
